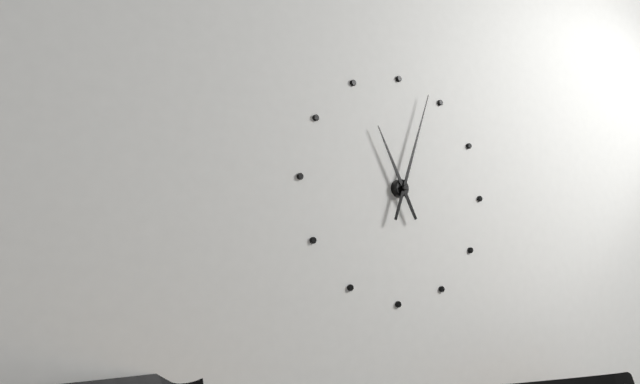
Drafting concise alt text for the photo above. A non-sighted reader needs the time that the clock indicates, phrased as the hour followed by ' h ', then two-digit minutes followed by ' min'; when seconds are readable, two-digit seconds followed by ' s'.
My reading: 11 h 03 min
